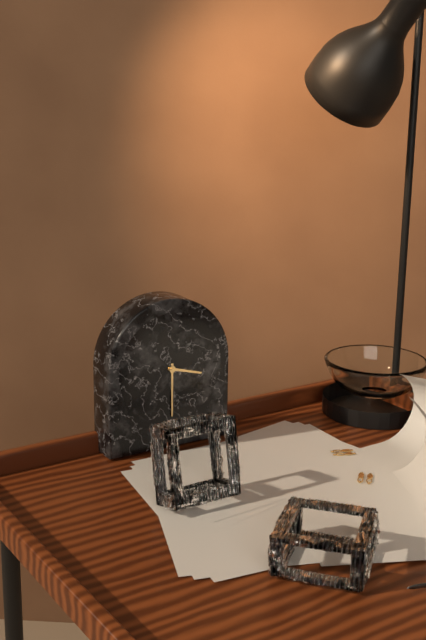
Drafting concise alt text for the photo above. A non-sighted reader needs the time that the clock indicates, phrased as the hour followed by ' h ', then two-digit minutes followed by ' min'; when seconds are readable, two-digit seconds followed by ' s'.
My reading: 3 h 30 min
